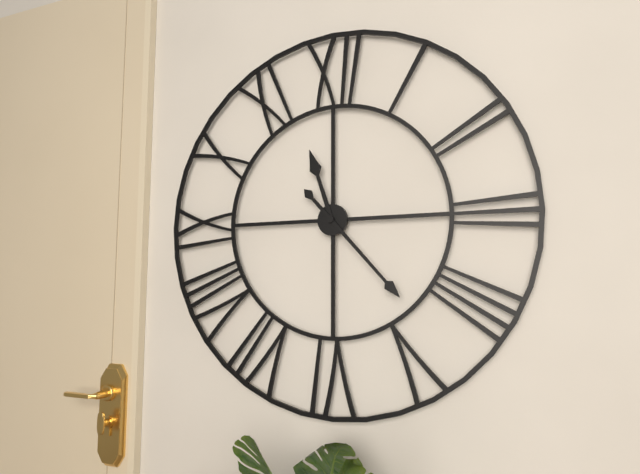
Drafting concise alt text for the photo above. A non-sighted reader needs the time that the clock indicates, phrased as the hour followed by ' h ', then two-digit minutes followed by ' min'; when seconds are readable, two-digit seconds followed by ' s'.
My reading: 11 h 23 min
